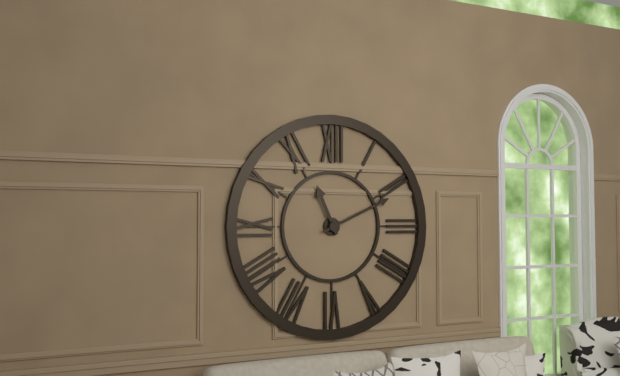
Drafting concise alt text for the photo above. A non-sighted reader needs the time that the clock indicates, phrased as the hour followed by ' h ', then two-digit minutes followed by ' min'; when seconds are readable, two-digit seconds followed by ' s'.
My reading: 11 h 11 min
